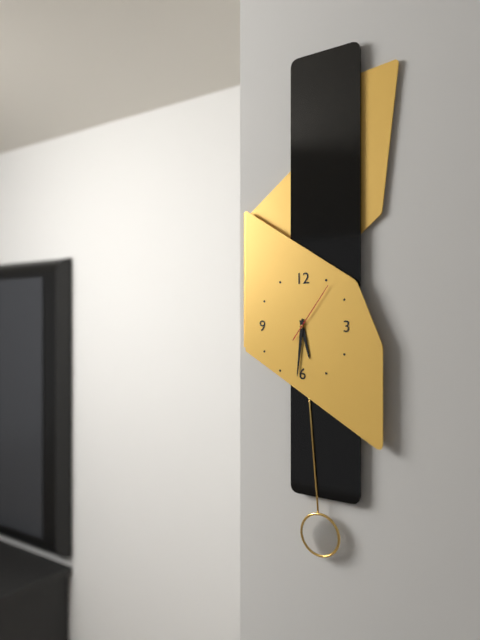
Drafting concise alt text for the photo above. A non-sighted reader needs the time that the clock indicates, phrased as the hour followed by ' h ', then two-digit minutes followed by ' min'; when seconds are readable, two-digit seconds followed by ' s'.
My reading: 5 h 31 min 06 s
